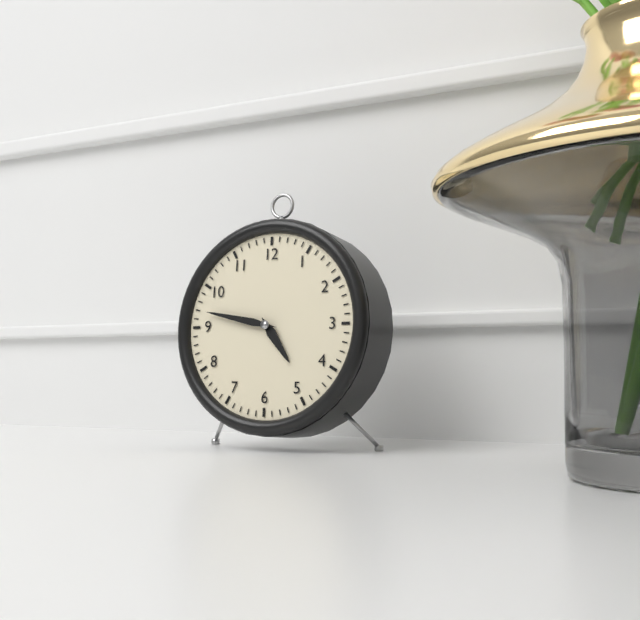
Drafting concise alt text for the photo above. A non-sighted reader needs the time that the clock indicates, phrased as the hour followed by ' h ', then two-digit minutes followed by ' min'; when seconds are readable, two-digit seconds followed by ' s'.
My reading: 4 h 47 min
